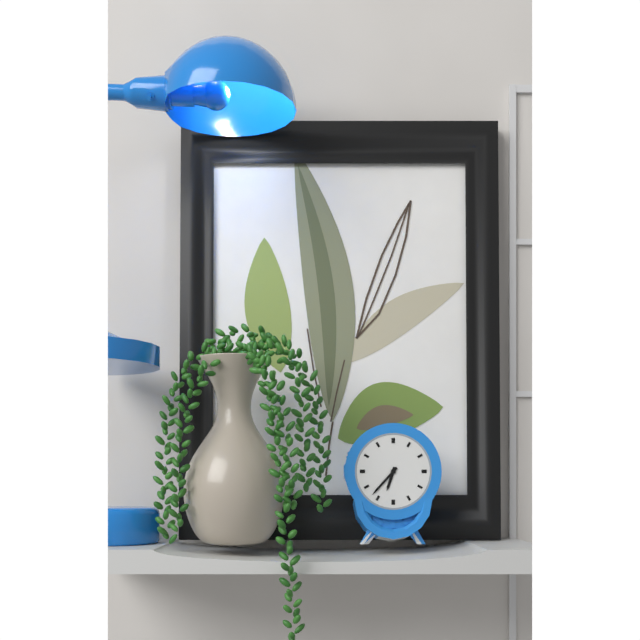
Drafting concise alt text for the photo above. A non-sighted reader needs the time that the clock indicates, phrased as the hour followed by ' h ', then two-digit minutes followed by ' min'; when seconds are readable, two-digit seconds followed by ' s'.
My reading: 6 h 37 min
